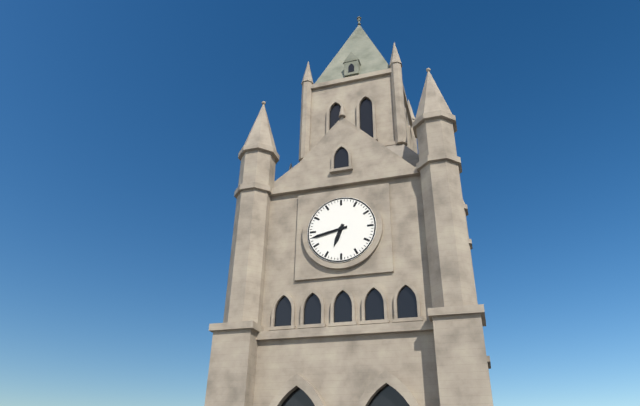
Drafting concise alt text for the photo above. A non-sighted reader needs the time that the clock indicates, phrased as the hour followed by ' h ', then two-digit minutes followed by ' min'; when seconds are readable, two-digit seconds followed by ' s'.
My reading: 6 h 43 min
